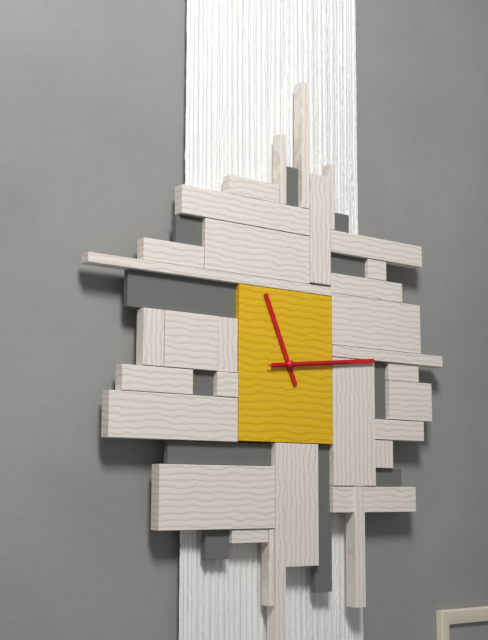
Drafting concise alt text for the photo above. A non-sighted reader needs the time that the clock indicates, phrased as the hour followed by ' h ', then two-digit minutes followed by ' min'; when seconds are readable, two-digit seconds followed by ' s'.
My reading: 11 h 14 min 14 s
